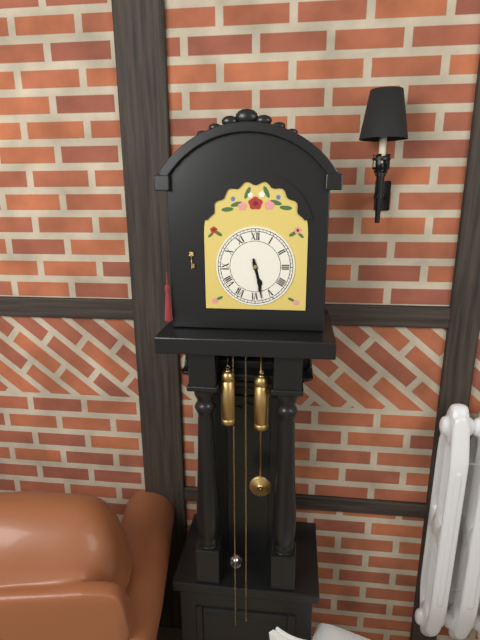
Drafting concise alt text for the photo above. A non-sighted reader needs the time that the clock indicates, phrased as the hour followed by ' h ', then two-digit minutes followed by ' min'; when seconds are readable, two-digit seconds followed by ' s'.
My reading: 5 h 28 min
